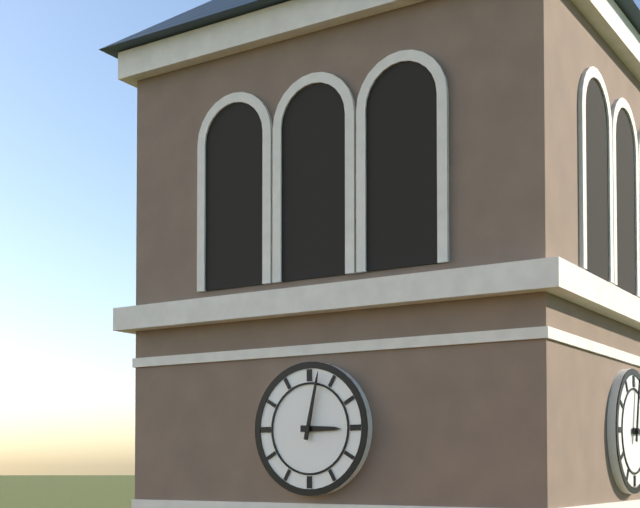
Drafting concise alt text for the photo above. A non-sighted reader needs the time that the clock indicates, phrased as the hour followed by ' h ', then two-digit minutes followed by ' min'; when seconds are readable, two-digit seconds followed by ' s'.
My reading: 3 h 02 min
